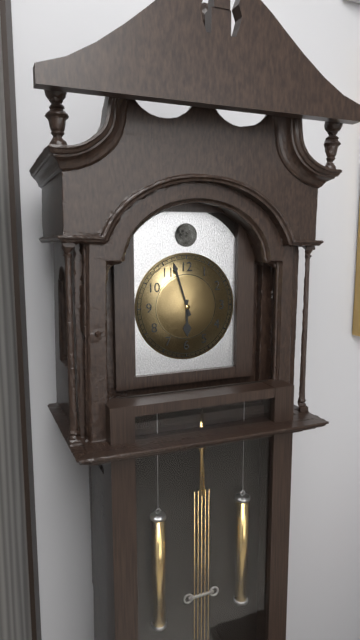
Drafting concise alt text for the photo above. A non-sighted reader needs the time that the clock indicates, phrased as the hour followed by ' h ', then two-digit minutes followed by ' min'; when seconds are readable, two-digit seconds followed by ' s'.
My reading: 5 h 57 min
